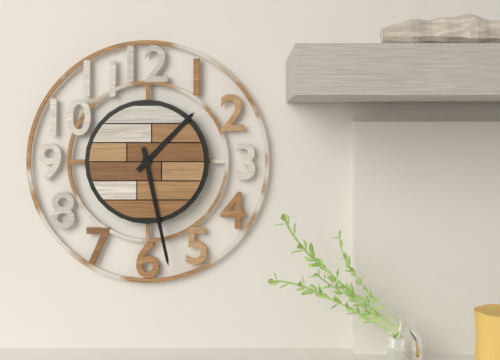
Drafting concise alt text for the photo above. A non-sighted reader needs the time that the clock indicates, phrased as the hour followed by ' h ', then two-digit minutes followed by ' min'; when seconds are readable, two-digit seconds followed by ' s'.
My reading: 1 h 28 min
